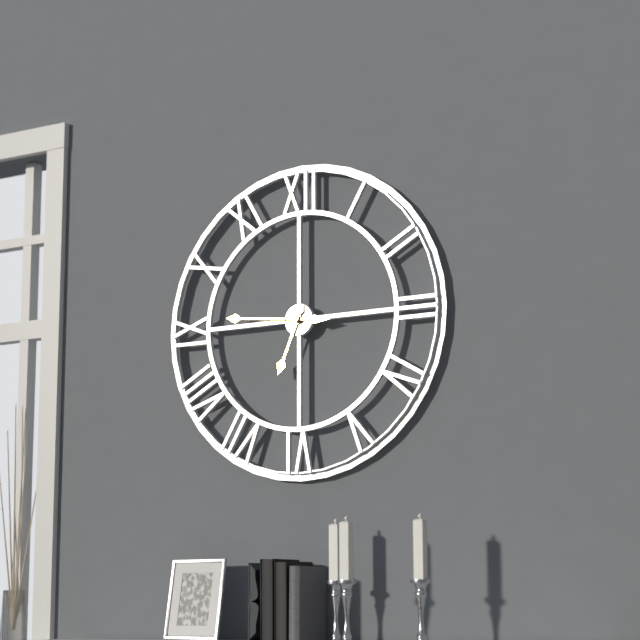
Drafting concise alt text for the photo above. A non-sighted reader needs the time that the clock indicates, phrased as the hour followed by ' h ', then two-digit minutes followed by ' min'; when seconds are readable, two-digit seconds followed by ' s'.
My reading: 6 h 46 min
